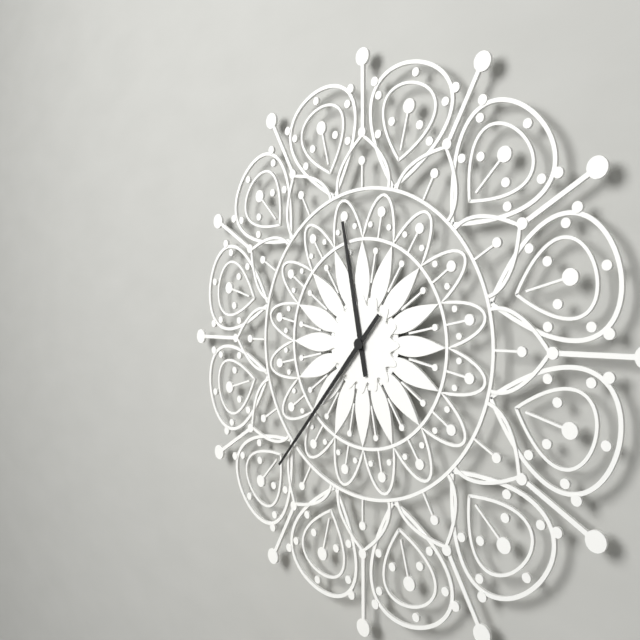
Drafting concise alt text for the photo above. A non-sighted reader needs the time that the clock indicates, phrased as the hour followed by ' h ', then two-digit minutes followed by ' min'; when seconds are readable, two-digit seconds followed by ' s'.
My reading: 11 h 37 min
